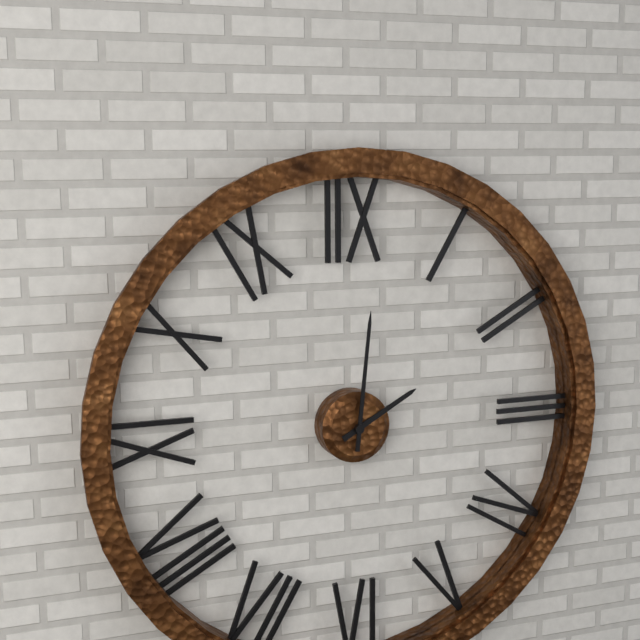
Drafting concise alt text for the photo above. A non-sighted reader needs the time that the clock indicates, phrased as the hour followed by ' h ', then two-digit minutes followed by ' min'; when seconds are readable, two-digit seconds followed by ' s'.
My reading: 2 h 01 min
